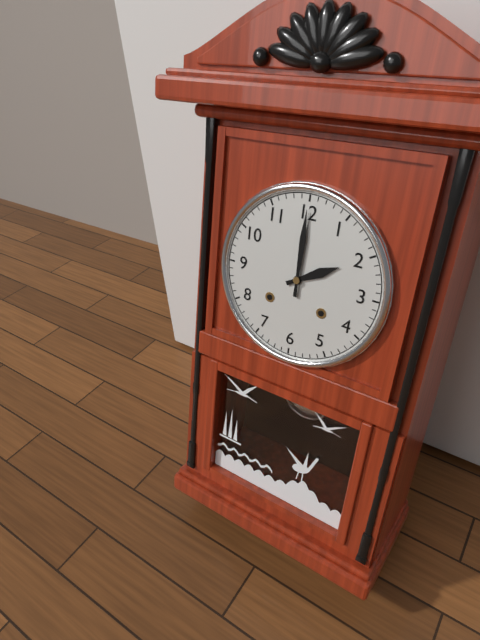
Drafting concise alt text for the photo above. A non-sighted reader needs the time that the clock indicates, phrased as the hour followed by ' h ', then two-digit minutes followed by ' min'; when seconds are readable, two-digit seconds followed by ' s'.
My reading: 2 h 00 min
